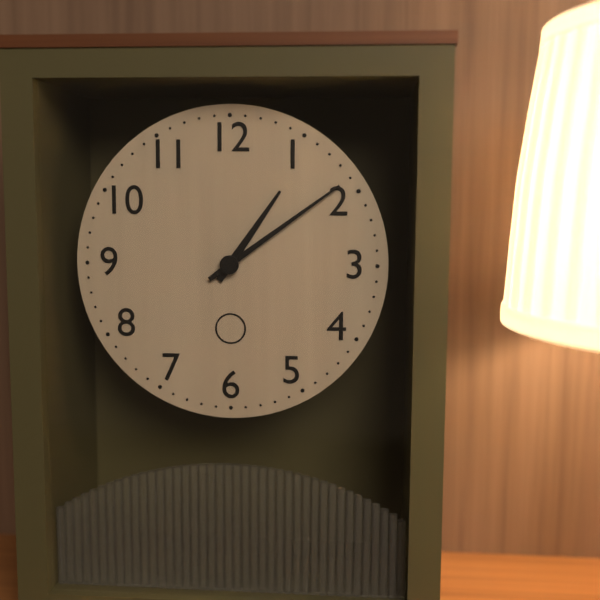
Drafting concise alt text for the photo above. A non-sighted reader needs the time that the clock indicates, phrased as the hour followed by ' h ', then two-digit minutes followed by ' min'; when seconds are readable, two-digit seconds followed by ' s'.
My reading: 1 h 09 min
